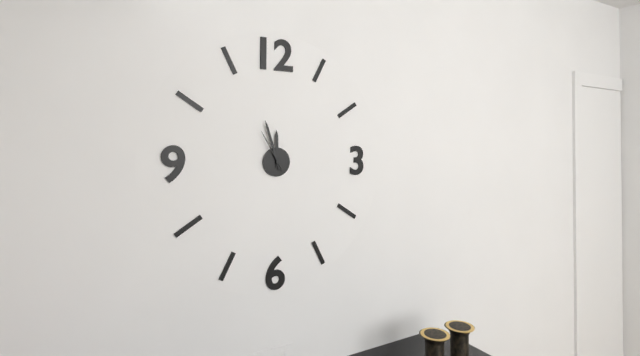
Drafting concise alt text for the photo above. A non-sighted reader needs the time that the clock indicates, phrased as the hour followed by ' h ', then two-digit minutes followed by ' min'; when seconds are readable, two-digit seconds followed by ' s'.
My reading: 11 h 57 min
